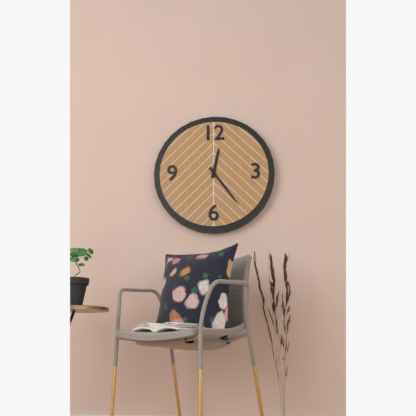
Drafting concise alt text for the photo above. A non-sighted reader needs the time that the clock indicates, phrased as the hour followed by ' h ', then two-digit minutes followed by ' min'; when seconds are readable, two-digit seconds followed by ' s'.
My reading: 12 h 24 min
